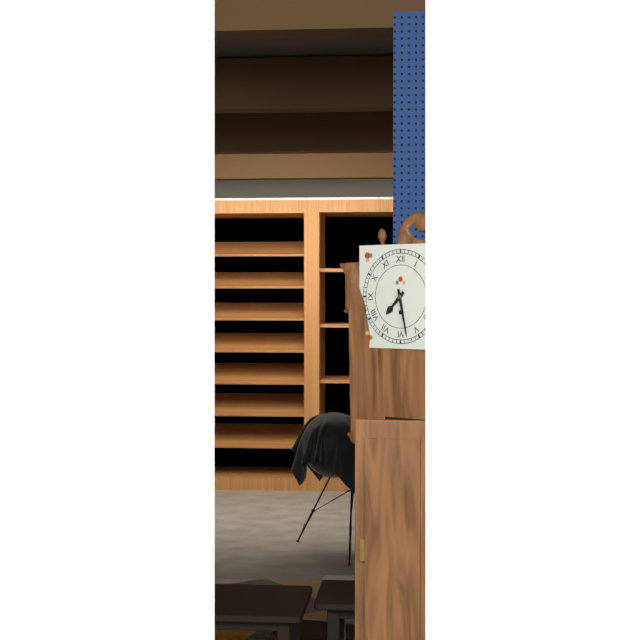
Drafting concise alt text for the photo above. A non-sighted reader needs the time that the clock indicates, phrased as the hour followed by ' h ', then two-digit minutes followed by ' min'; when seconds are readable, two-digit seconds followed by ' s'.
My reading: 7 h 28 min
